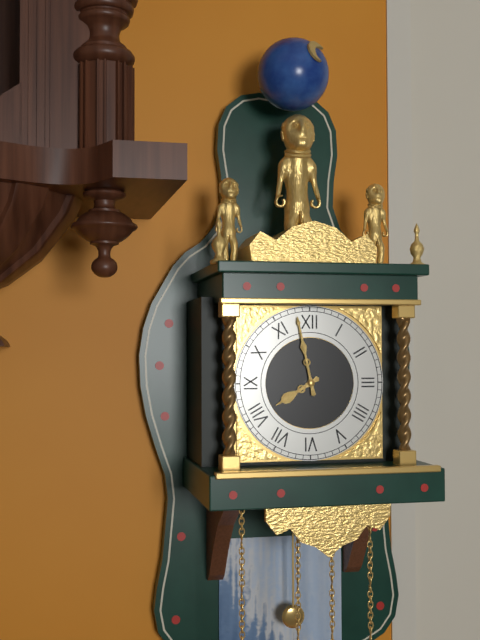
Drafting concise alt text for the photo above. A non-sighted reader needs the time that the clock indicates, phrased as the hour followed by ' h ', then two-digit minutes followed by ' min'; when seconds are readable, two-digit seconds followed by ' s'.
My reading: 7 h 58 min
